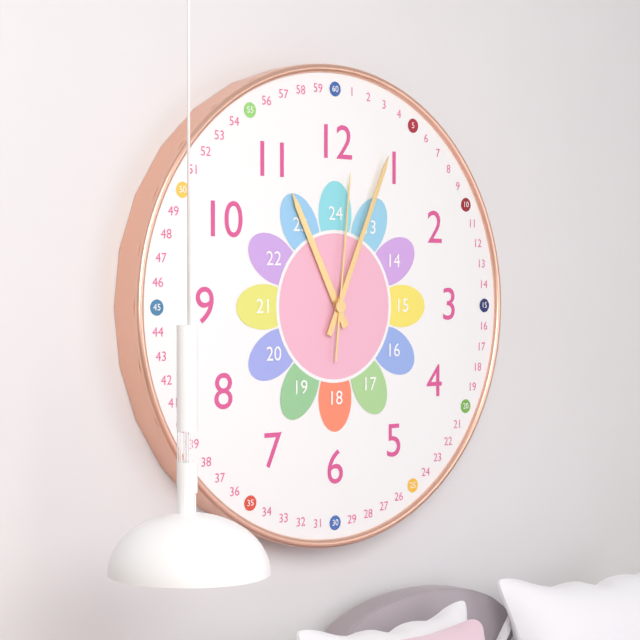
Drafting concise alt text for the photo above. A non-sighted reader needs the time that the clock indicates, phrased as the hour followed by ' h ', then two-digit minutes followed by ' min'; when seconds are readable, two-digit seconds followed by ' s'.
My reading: 11 h 04 min 01 s
